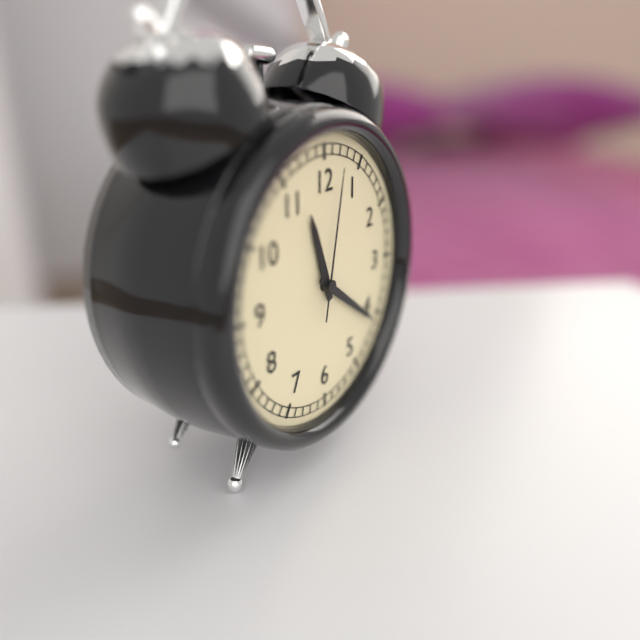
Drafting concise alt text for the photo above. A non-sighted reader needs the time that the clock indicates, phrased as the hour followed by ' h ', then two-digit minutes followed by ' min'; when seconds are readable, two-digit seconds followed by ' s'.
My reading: 11 h 21 min 02 s
